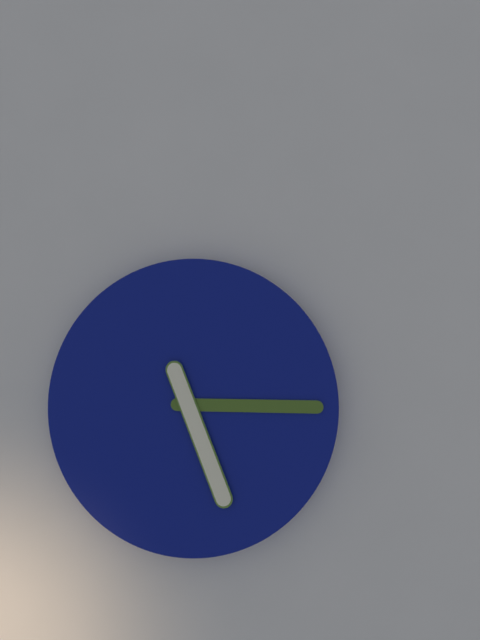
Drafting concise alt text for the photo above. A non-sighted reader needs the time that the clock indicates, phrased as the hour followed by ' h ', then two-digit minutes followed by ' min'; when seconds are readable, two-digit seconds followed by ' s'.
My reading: 5 h 15 min
